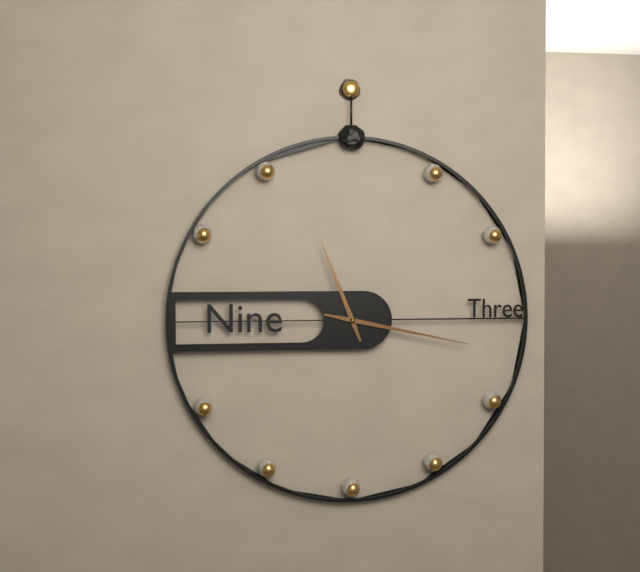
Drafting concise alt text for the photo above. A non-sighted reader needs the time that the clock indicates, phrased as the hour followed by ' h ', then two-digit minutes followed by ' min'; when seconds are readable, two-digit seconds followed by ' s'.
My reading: 11 h 17 min
